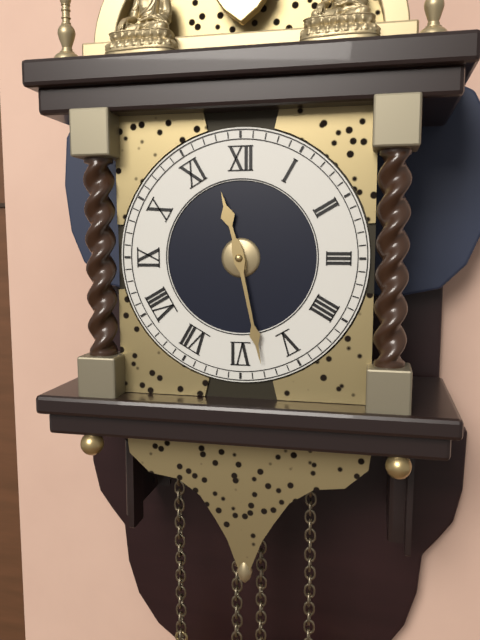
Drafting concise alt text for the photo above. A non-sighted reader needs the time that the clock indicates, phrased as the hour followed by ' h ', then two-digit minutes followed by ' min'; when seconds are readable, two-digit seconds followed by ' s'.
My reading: 11 h 28 min
